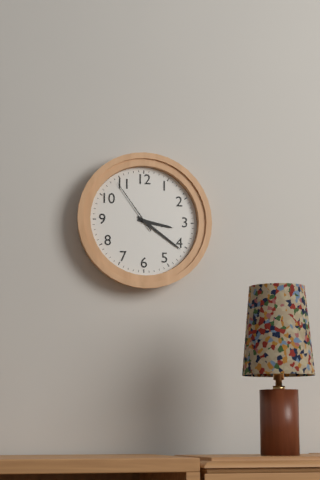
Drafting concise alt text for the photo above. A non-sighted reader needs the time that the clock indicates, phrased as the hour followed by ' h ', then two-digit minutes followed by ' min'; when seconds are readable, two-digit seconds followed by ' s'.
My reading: 3 h 21 min 54 s
